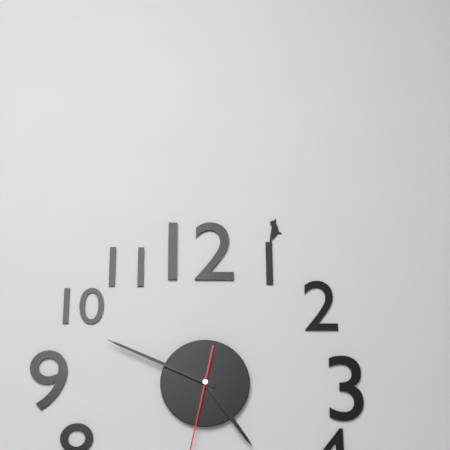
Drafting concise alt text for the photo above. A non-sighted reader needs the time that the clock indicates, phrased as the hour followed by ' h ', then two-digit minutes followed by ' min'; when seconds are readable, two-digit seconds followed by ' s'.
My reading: 4 h 49 min
